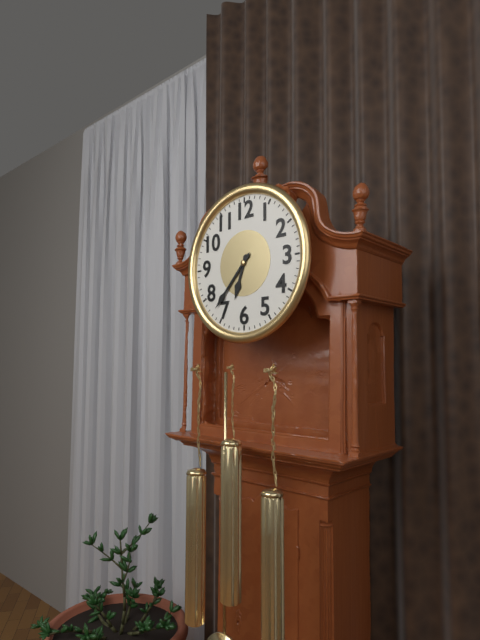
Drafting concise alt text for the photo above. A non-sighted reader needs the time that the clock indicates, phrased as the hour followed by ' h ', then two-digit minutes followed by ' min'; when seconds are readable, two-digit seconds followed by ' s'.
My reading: 6 h 37 min
